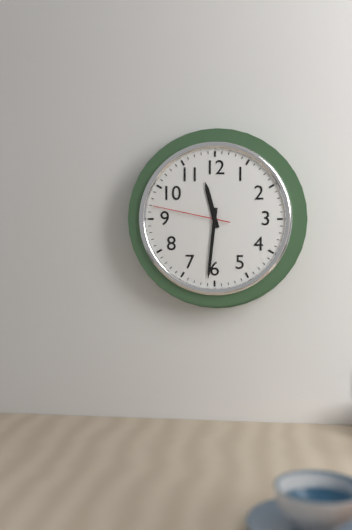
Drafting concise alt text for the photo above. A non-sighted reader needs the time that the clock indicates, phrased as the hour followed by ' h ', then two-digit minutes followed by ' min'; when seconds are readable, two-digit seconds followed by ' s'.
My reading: 11 h 31 min 47 s
